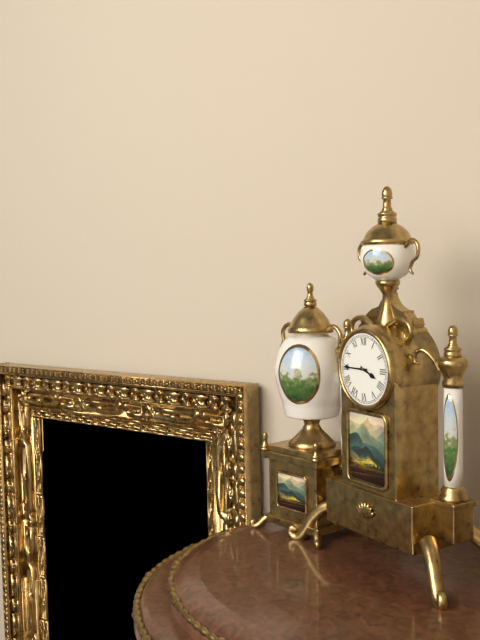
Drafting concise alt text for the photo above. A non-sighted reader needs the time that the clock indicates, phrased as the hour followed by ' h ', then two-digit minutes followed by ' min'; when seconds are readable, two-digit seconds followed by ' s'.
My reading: 3 h 45 min
